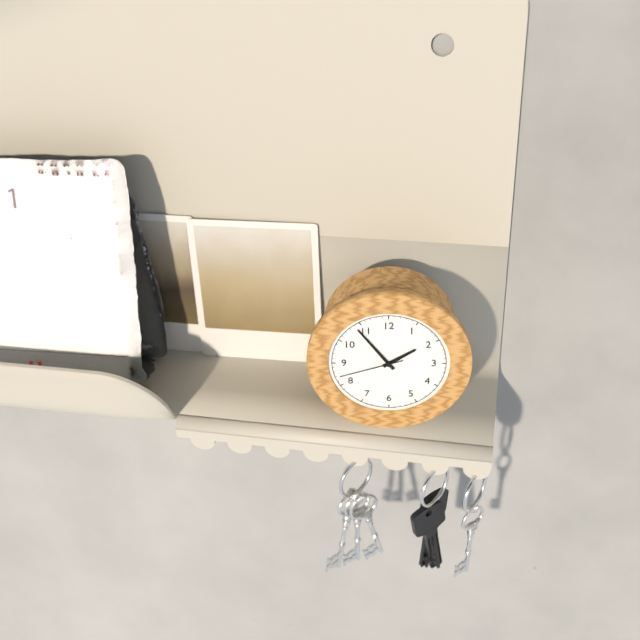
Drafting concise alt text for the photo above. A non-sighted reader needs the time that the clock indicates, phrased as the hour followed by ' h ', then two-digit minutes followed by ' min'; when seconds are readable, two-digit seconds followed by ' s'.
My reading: 1 h 54 min 42 s
